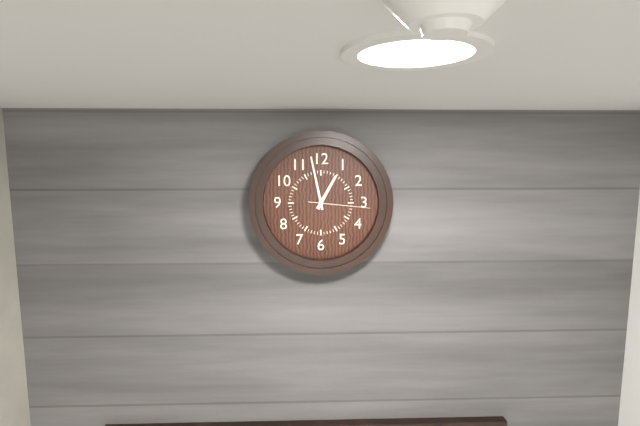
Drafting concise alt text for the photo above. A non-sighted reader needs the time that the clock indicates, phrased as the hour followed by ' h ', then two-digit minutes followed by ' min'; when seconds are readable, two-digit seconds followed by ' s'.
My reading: 12 h 58 min 16 s
